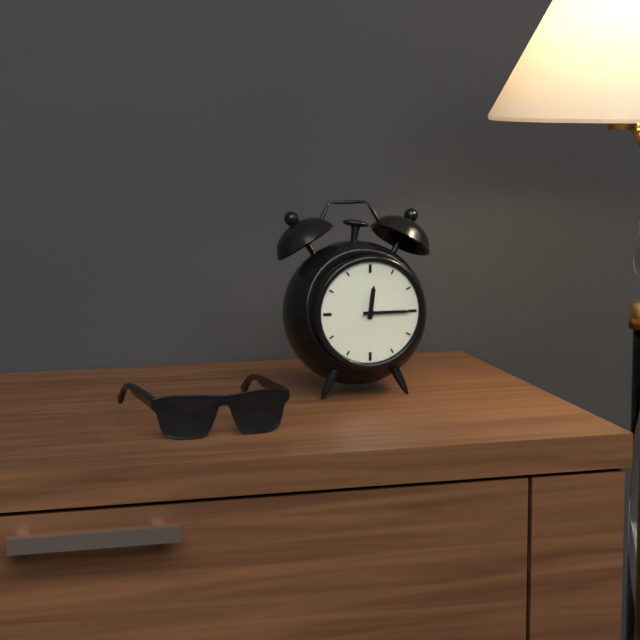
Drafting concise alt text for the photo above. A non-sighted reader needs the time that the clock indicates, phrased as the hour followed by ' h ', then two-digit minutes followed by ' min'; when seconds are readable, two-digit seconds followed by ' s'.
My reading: 12 h 15 min
